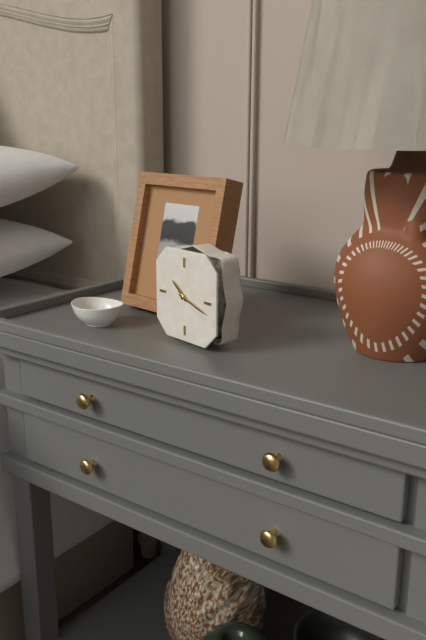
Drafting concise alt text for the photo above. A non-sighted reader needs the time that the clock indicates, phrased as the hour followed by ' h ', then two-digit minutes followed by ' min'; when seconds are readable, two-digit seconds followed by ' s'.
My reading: 10 h 18 min
